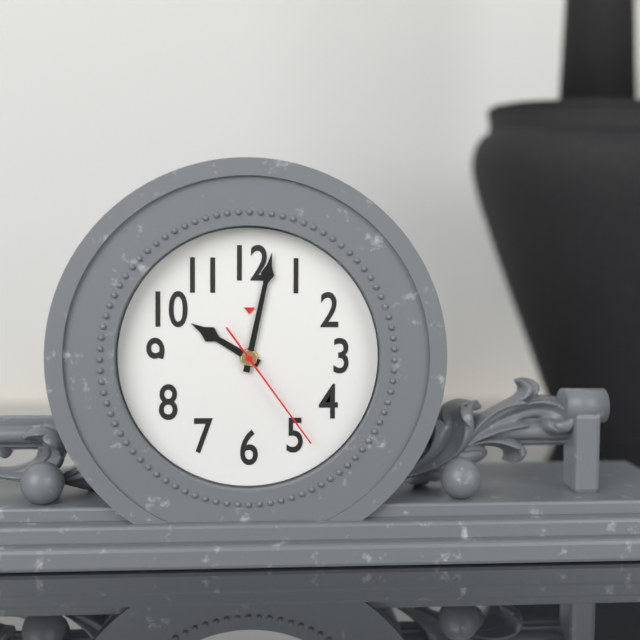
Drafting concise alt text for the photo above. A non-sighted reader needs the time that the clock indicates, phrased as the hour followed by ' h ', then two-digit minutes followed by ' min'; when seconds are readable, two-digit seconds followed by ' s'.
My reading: 10 h 02 min 24 s
